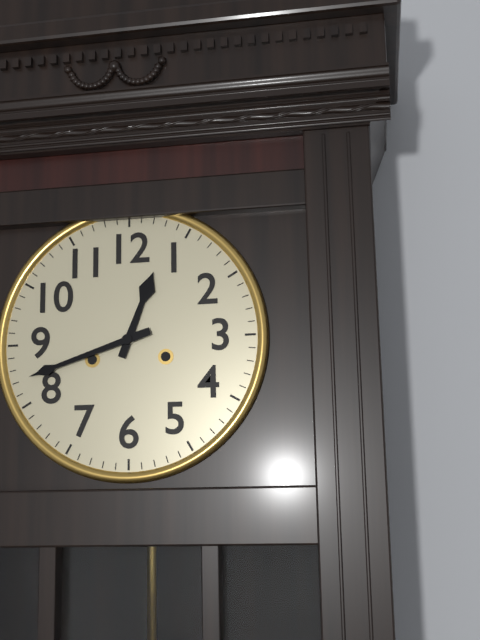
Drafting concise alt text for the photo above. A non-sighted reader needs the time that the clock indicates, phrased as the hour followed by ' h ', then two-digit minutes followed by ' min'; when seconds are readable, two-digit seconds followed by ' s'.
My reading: 12 h 42 min
